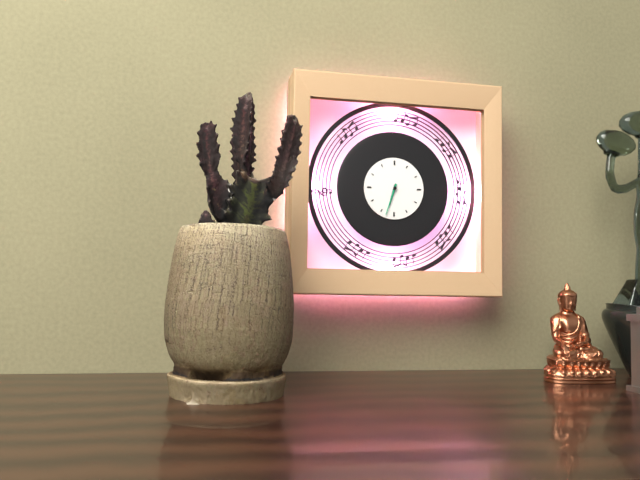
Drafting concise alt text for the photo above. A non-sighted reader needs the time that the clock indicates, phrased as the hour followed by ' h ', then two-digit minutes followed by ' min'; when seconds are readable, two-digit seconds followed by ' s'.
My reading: 6 h 33 min
